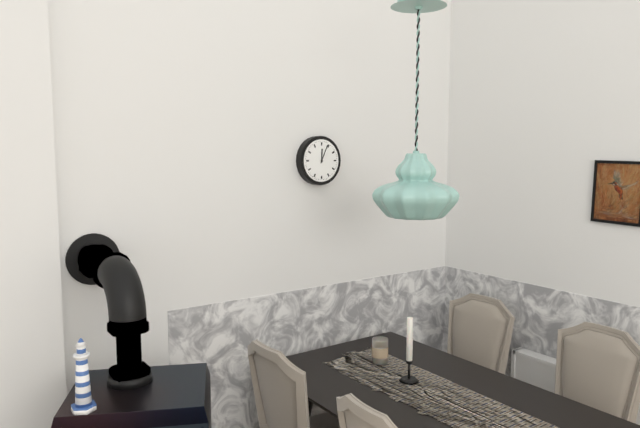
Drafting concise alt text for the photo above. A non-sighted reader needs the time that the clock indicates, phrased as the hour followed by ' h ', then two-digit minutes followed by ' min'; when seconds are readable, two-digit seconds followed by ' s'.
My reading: 12 h 04 min
